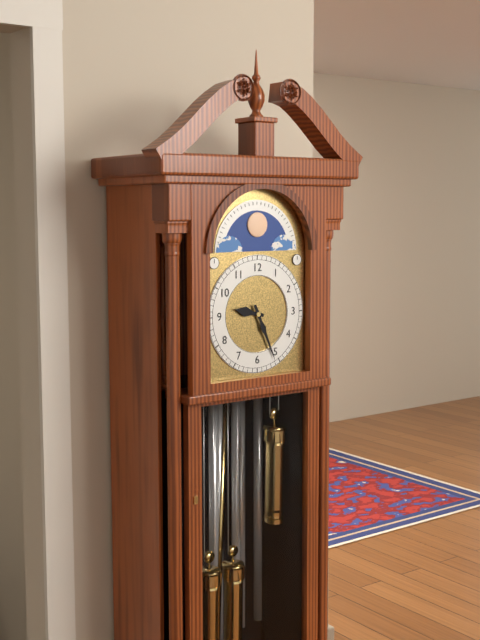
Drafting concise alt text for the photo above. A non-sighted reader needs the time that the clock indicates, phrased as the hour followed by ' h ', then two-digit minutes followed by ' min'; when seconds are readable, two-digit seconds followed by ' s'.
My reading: 9 h 26 min
